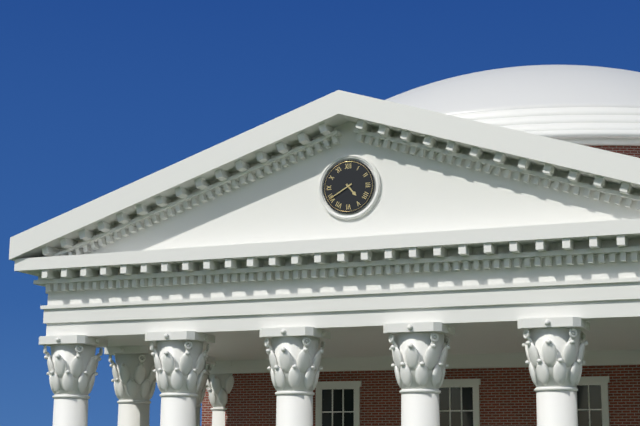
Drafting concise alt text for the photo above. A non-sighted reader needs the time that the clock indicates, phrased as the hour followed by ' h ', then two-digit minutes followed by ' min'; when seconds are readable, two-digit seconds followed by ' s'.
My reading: 4 h 40 min
